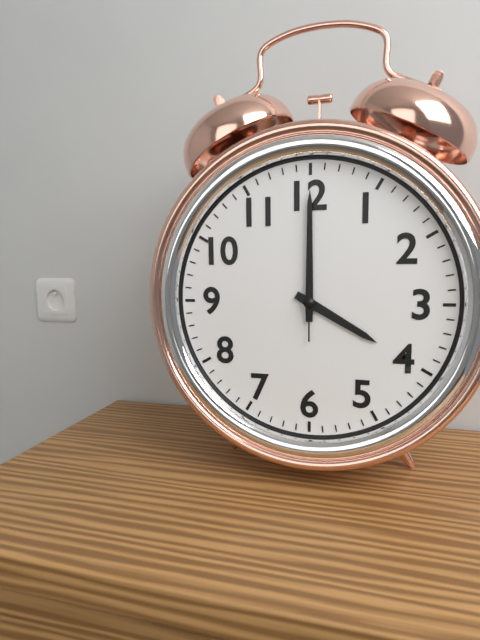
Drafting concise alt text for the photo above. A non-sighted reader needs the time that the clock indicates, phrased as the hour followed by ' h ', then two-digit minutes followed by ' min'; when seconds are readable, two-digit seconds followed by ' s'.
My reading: 4 h 00 min 00 s
